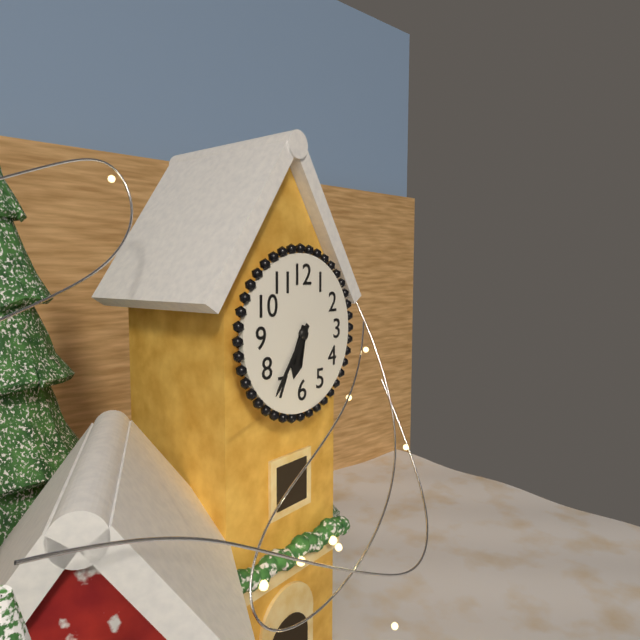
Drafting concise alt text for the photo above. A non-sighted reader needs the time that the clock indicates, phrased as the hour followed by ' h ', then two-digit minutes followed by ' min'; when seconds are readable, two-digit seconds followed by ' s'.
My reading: 6 h 36 min
